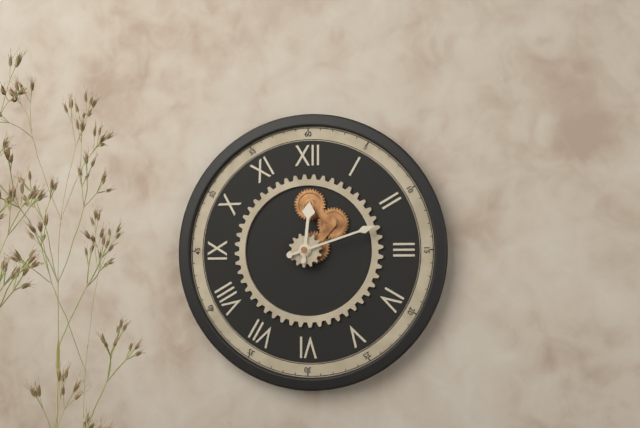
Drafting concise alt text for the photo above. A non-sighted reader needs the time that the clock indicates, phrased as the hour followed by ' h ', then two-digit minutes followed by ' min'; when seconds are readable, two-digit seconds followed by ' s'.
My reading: 12 h 12 min
